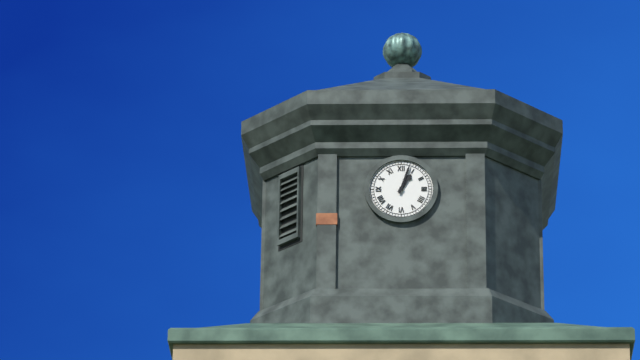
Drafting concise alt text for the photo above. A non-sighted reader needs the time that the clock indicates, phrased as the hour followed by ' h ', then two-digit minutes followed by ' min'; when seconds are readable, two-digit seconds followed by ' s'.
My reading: 1 h 03 min
